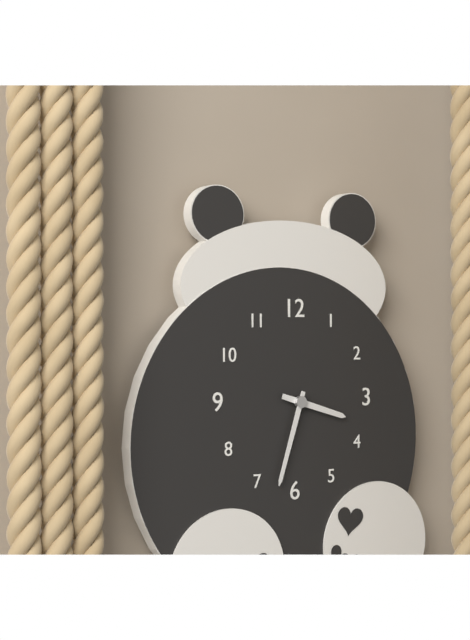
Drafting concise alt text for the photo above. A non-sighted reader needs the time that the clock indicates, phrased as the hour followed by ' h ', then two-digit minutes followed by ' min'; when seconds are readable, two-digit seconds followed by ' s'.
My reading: 3 h 33 min
